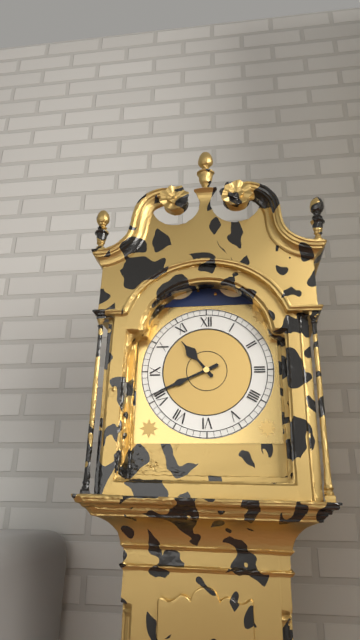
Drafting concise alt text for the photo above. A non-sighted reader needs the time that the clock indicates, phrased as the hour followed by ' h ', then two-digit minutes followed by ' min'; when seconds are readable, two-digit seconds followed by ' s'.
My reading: 10 h 41 min
